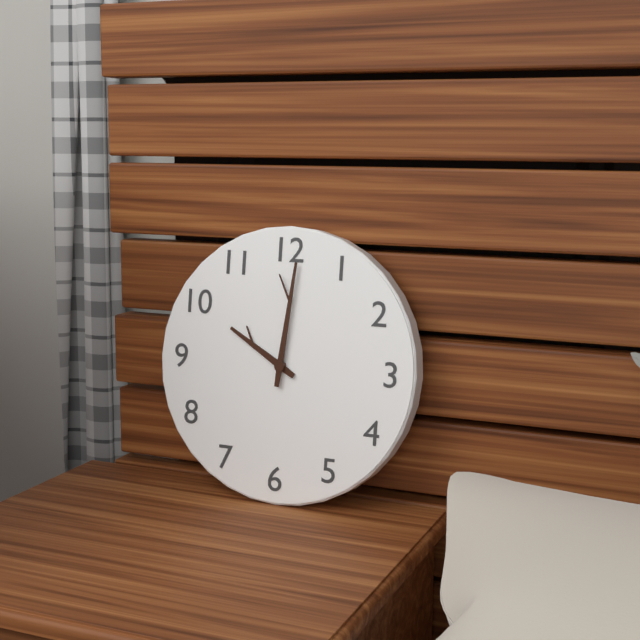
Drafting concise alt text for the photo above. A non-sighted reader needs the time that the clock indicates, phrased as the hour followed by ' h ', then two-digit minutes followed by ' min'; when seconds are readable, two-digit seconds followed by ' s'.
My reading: 10 h 01 min
